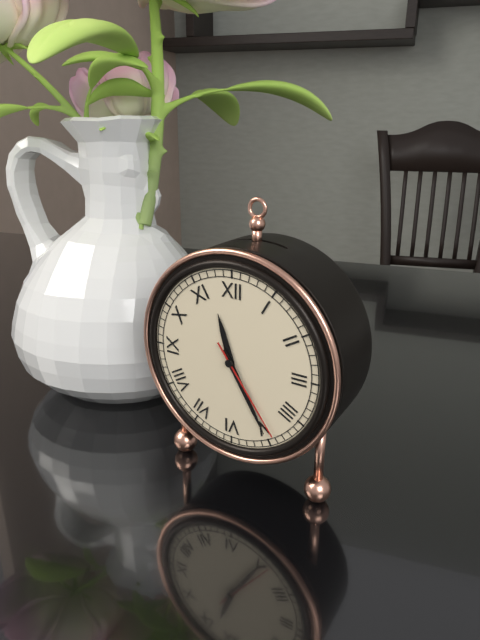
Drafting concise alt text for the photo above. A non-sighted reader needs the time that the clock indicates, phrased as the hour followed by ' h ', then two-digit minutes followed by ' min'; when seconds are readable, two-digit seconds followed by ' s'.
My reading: 11 h 25 min 24 s
